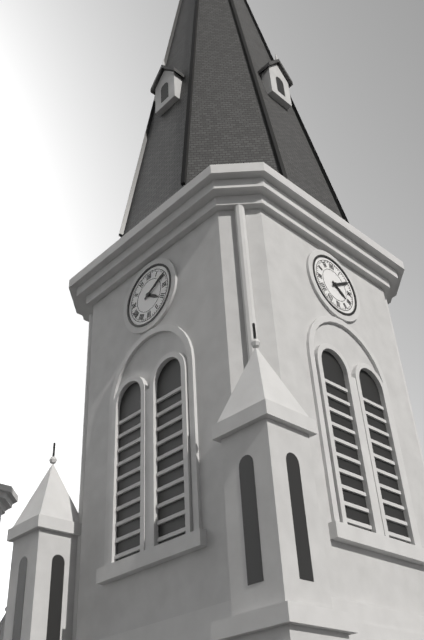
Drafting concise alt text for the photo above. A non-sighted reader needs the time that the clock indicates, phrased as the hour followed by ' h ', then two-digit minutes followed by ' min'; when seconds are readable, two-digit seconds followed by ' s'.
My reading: 4 h 10 min
